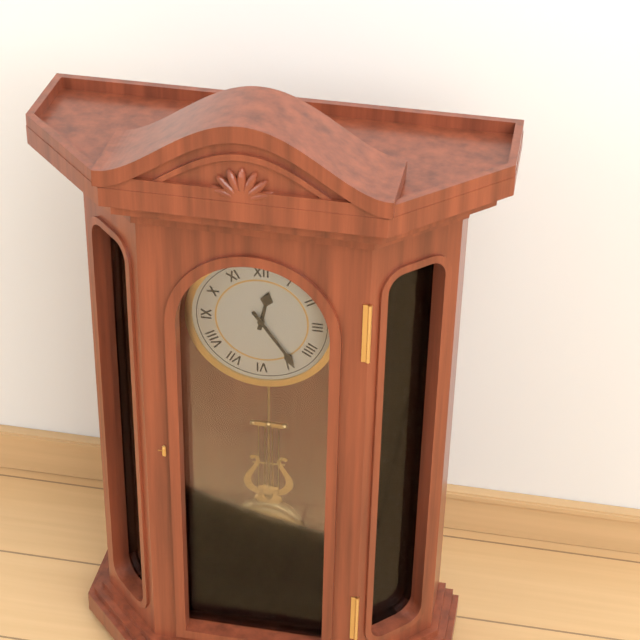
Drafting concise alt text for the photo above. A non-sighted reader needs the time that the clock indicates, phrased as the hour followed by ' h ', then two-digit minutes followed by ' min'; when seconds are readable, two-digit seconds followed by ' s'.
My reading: 12 h 24 min
